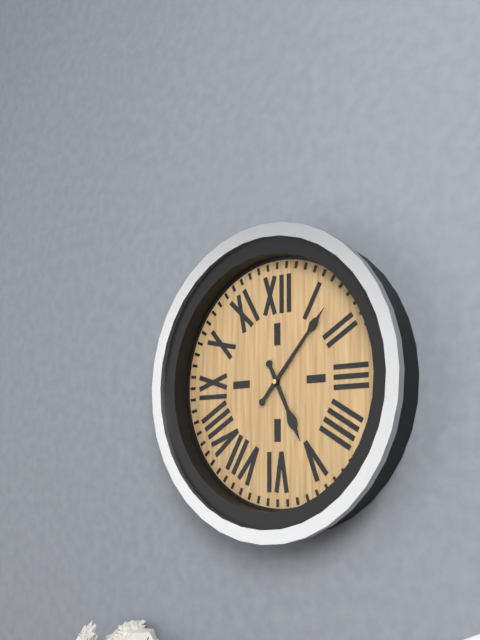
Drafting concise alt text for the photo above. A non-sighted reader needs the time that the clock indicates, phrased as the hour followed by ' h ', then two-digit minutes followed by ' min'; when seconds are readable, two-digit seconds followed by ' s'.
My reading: 5 h 07 min
